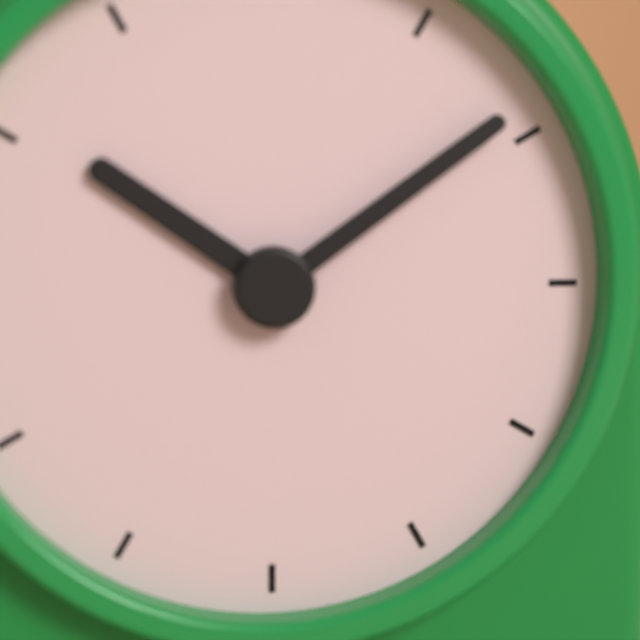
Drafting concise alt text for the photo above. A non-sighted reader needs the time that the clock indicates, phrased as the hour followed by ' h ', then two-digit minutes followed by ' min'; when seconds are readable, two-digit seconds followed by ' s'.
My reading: 10 h 09 min
